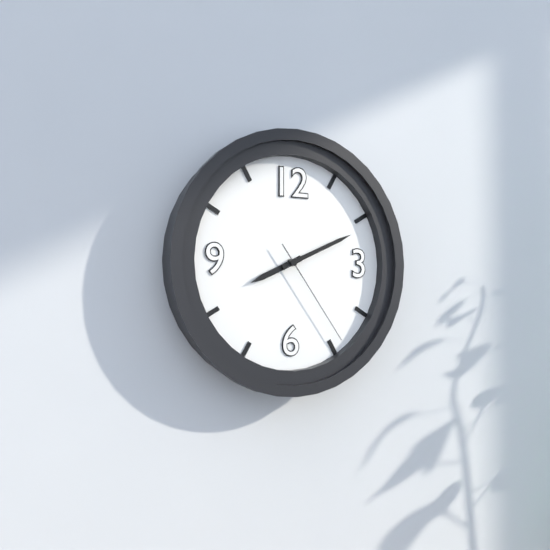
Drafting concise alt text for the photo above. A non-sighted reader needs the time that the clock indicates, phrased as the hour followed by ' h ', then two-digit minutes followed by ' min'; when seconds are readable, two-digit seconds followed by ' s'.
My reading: 8 h 11 min 24 s
